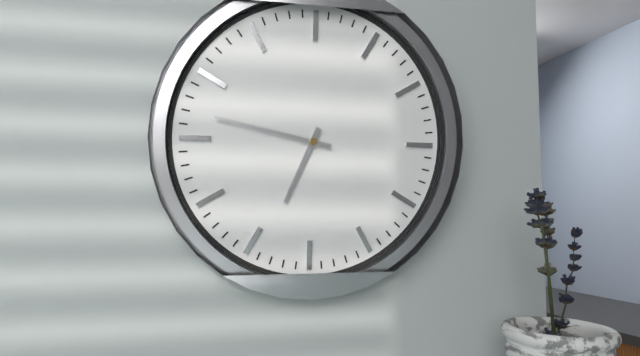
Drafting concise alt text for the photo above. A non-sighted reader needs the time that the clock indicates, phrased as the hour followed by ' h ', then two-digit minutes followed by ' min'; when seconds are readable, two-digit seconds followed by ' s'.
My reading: 6 h 47 min
